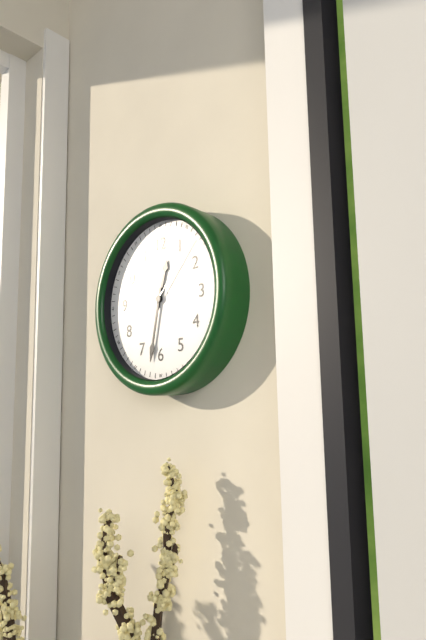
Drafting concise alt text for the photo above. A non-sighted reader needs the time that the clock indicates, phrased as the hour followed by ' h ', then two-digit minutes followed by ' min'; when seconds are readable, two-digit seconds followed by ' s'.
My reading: 12 h 32 min 07 s
